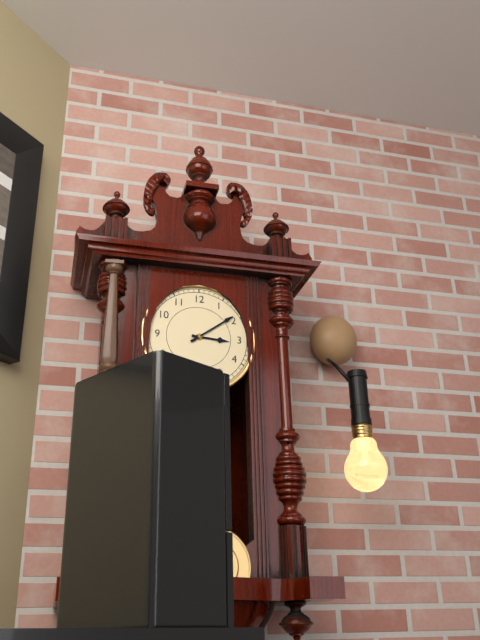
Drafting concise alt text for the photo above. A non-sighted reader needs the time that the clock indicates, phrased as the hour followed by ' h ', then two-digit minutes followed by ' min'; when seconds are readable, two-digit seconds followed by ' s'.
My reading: 3 h 09 min
